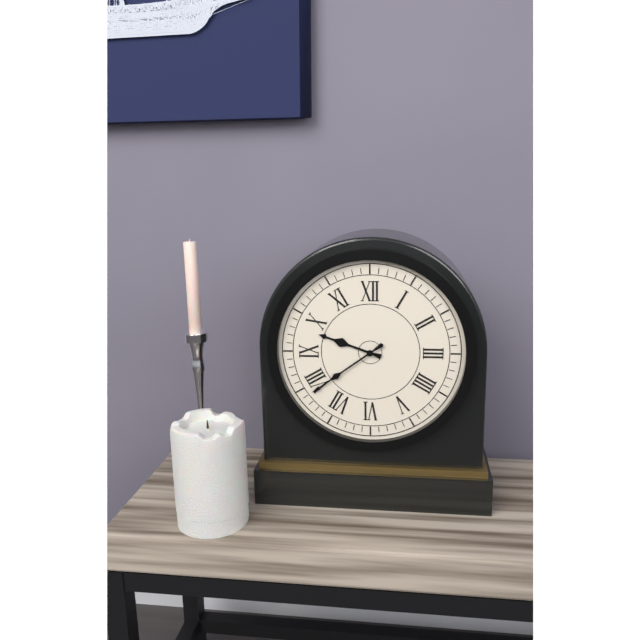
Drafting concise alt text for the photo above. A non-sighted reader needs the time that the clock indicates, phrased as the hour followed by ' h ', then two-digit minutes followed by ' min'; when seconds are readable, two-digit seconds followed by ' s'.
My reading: 9 h 39 min
